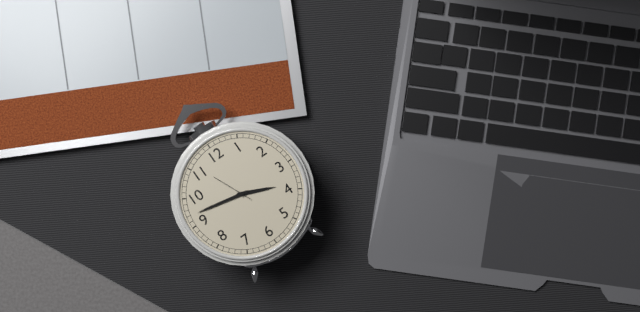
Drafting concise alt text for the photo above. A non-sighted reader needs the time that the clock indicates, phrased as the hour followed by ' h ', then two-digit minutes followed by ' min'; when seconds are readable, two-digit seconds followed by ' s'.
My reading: 3 h 47 min
